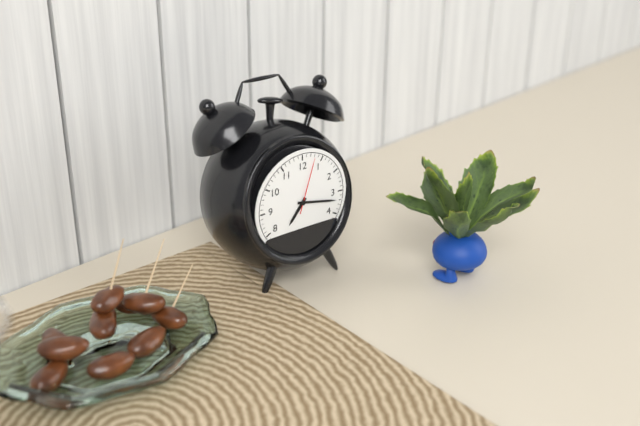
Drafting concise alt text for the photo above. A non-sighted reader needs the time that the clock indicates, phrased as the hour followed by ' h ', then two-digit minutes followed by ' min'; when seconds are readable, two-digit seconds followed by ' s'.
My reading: 7 h 17 min 03 s
